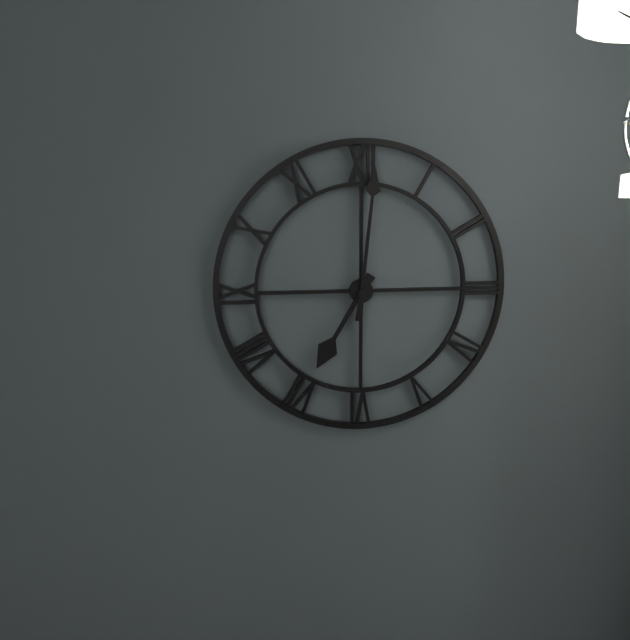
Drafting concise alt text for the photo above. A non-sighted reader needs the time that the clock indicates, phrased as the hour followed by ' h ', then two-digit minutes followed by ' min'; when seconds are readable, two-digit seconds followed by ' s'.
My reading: 7 h 01 min
